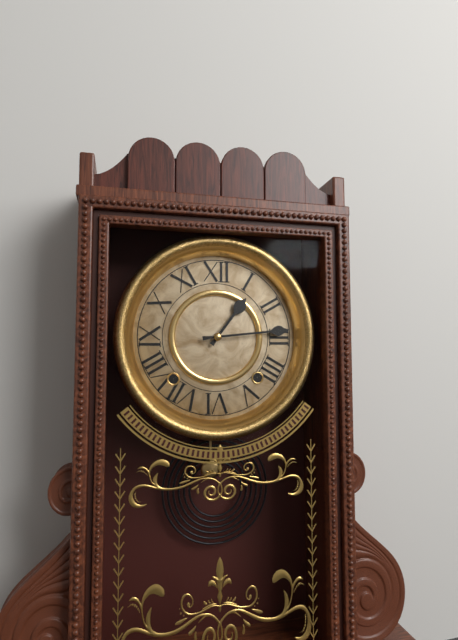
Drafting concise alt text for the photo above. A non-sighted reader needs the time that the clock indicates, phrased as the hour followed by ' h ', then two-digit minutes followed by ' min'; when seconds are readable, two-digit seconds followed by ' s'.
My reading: 1 h 14 min
